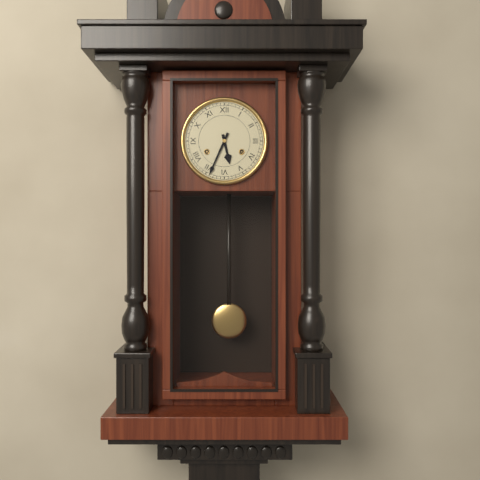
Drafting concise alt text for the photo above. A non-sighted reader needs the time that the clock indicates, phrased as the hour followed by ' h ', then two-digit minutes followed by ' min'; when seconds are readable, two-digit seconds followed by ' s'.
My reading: 5 h 34 min
